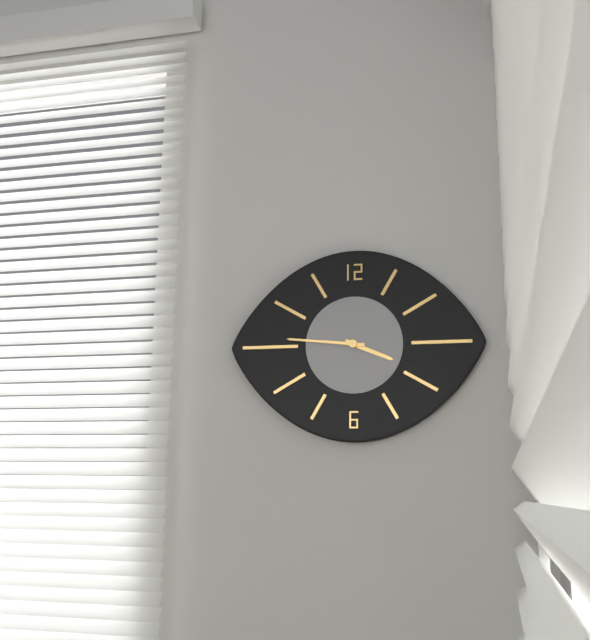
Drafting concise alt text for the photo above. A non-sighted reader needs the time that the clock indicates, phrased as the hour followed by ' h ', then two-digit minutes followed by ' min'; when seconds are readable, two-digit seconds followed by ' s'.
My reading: 3 h 46 min
